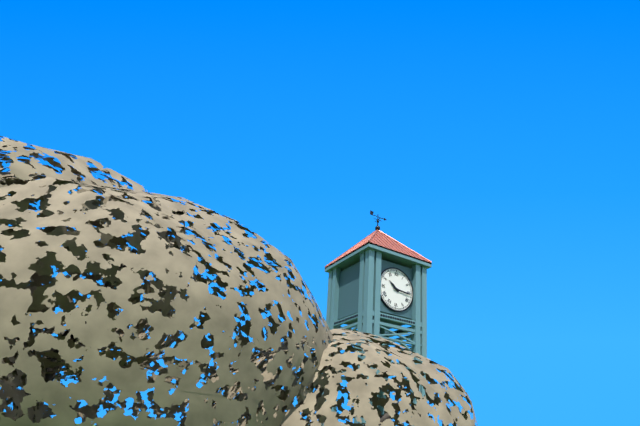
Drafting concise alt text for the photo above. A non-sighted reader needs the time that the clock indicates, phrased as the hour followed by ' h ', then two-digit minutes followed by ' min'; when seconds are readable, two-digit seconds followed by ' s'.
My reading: 10 h 16 min
